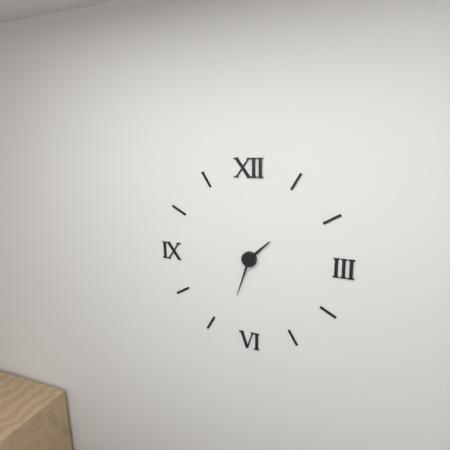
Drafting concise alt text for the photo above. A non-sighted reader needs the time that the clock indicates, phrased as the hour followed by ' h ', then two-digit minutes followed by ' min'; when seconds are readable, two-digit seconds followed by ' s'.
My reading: 1 h 33 min
